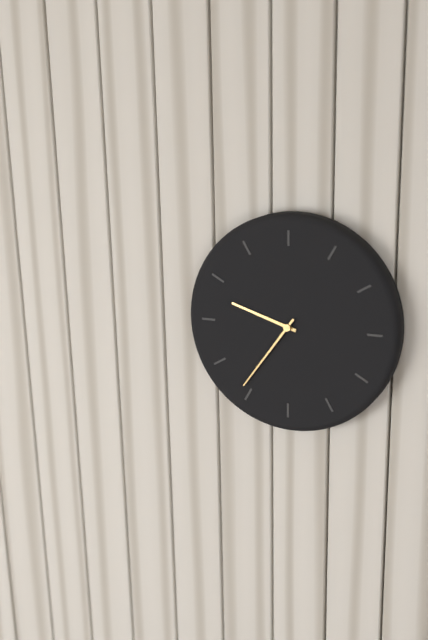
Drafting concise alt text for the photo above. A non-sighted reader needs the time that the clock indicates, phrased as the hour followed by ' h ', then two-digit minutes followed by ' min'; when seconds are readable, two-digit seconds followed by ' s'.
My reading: 9 h 36 min
